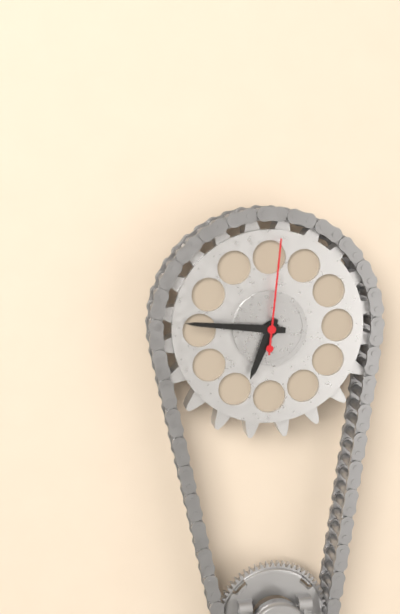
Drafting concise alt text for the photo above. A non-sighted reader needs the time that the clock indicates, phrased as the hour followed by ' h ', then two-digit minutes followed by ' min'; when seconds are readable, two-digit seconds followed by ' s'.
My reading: 6 h 46 min 01 s
